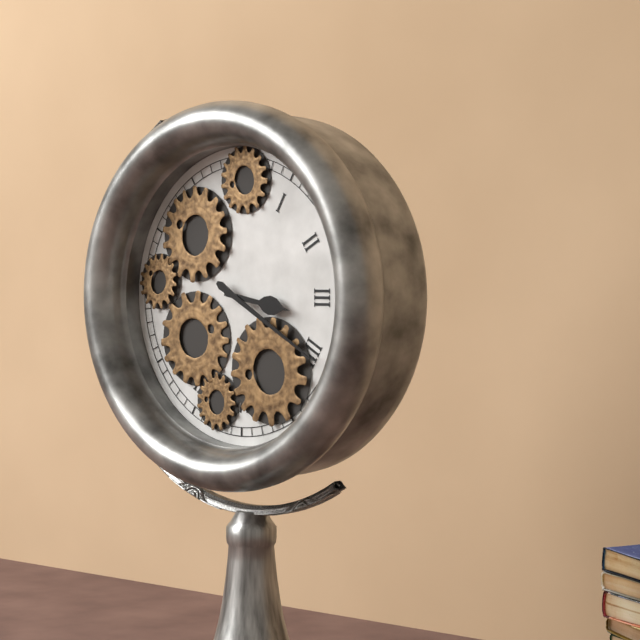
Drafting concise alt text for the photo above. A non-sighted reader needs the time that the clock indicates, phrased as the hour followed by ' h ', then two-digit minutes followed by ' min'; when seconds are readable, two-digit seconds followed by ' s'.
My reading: 3 h 20 min
